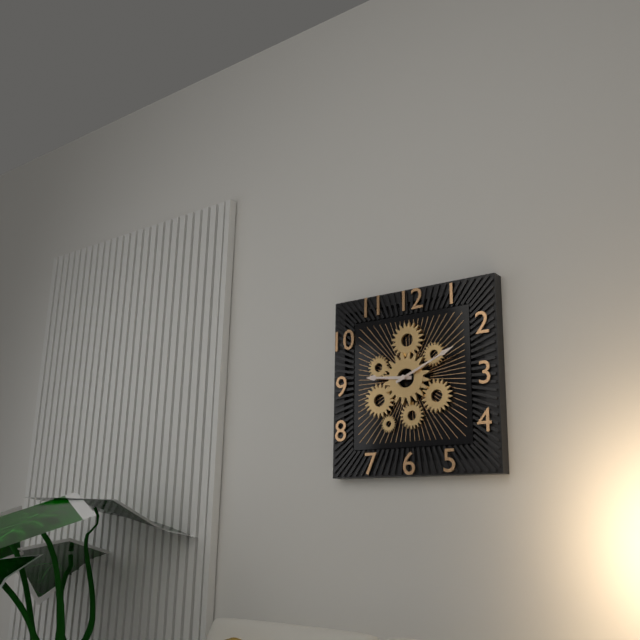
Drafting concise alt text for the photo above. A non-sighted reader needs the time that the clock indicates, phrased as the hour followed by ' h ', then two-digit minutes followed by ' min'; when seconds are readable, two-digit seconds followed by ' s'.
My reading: 9 h 11 min
